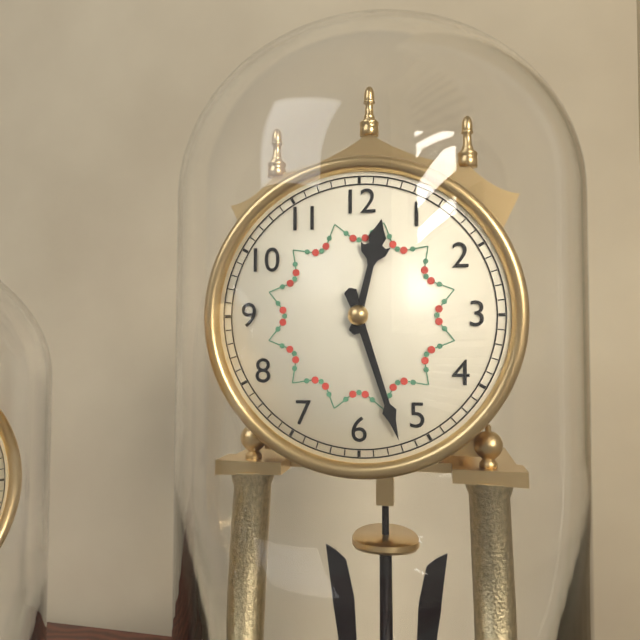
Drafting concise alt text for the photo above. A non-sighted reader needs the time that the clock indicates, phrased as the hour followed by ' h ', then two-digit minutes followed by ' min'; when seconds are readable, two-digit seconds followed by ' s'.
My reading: 12 h 27 min
